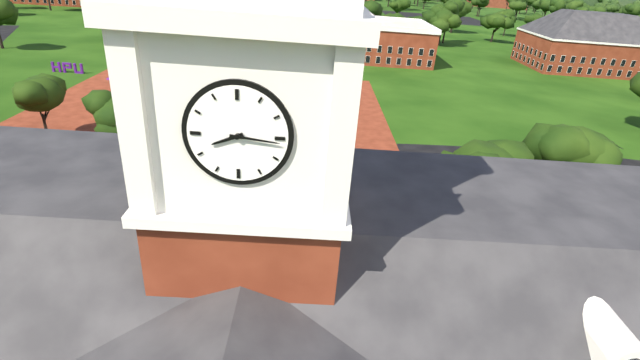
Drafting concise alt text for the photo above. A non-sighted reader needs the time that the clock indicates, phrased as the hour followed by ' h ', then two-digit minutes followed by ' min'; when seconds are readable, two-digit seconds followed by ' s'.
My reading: 8 h 16 min
